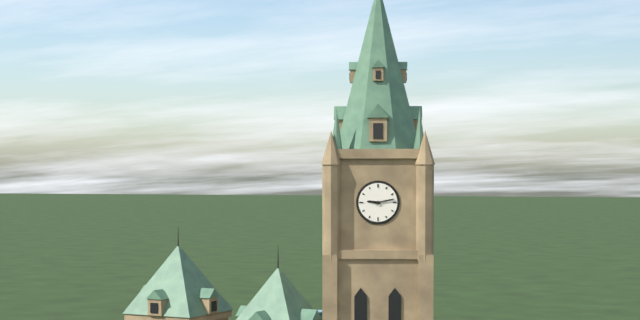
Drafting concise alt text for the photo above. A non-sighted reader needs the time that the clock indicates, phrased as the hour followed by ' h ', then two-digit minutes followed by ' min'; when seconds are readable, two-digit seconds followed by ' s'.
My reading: 9 h 13 min
